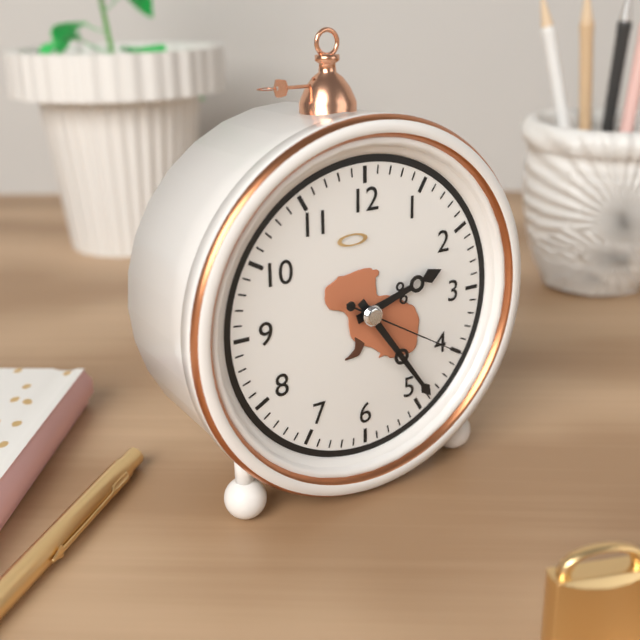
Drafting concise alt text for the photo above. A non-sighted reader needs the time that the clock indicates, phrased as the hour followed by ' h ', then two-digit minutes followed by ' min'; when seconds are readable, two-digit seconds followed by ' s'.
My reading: 2 h 24 min 20 s
